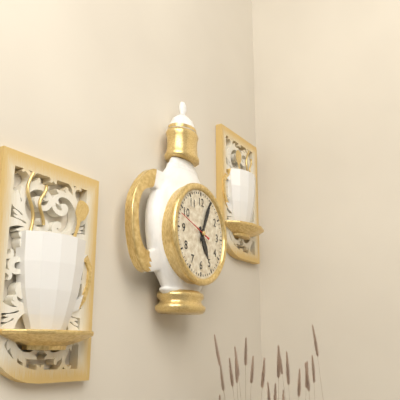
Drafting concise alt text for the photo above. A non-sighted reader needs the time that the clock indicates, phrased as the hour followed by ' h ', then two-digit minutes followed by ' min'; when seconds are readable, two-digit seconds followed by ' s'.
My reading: 5 h 04 min
